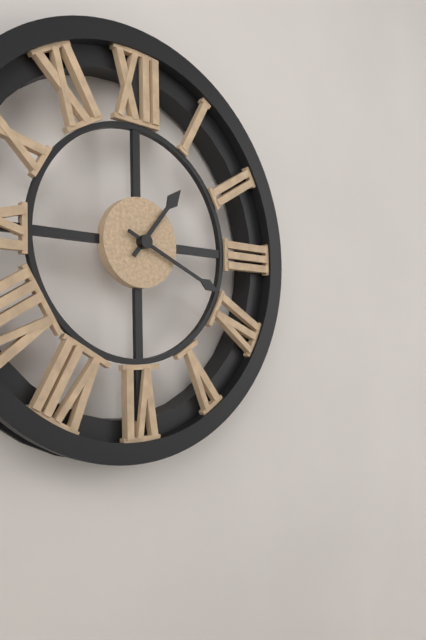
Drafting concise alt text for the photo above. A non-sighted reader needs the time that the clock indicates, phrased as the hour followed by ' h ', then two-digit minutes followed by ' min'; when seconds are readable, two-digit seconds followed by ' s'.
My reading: 1 h 19 min
